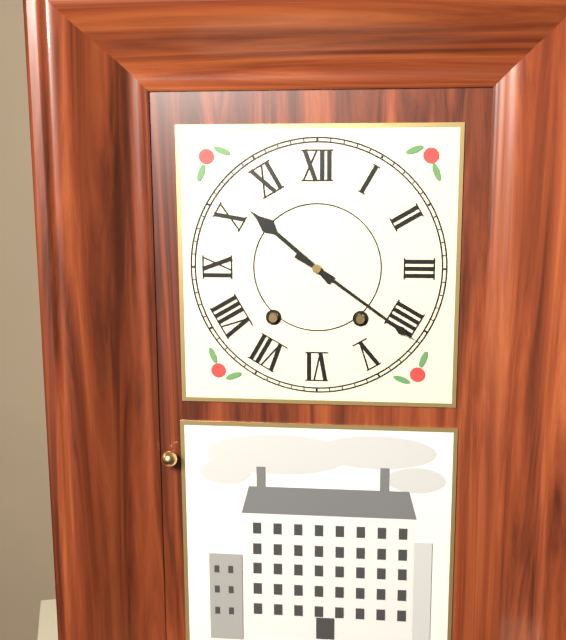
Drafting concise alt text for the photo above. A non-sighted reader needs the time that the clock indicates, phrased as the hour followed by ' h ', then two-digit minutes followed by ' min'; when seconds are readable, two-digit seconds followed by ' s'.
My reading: 10 h 21 min
